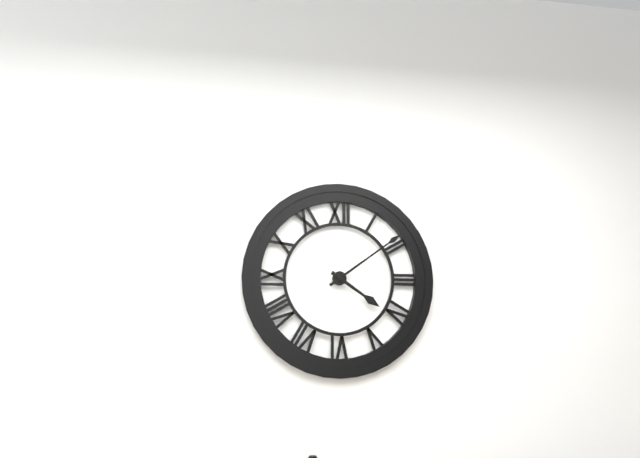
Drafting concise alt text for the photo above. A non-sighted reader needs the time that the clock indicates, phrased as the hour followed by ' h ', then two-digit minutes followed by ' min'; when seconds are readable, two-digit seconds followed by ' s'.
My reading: 4 h 09 min
